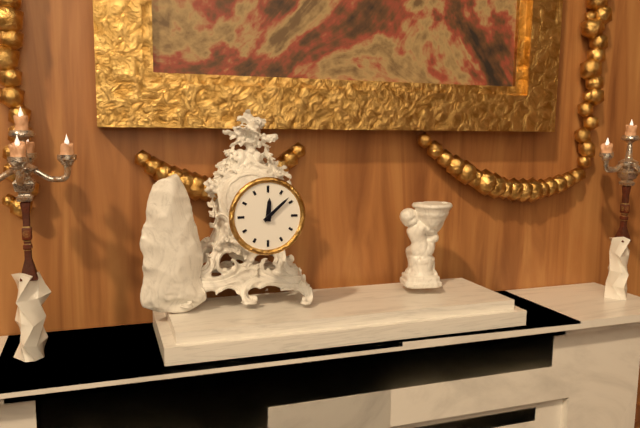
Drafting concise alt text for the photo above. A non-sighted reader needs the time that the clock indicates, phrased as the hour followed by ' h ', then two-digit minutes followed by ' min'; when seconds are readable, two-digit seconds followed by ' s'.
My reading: 12 h 08 min
